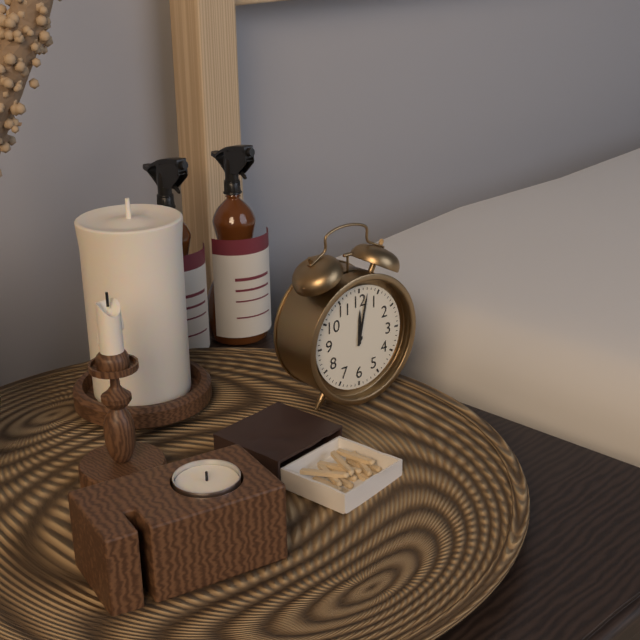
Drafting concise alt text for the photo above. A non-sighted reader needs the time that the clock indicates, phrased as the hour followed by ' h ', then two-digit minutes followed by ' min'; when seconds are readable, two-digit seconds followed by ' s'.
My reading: 12 h 02 min
